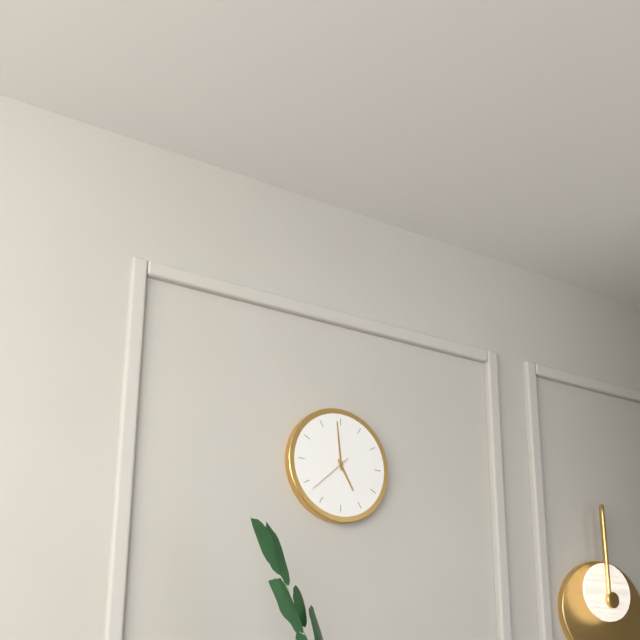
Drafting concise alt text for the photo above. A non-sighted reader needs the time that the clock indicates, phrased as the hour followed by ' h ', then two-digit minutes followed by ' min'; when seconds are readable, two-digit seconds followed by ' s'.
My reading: 4 h 59 min
